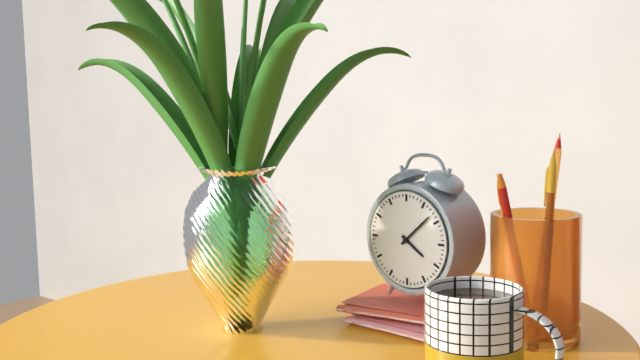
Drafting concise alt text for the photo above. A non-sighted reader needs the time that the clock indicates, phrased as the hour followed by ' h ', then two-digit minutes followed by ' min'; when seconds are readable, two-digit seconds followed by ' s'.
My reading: 4 h 08 min
